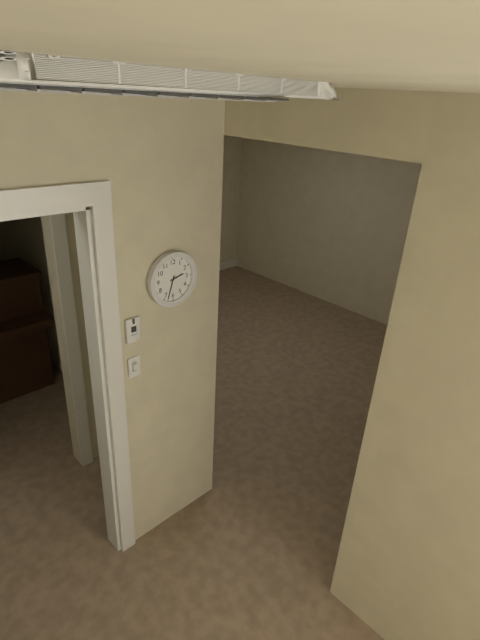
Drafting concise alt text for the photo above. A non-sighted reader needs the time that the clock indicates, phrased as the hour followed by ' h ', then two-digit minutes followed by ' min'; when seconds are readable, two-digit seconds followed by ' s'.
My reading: 2 h 33 min
